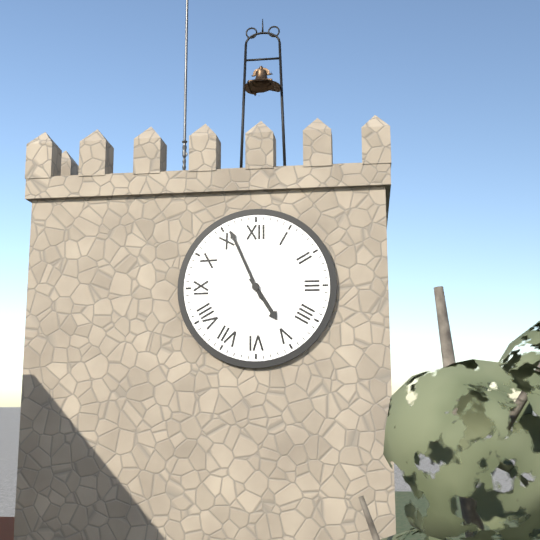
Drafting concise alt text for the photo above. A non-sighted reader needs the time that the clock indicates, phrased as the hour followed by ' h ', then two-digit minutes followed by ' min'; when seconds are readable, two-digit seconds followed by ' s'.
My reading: 4 h 56 min
